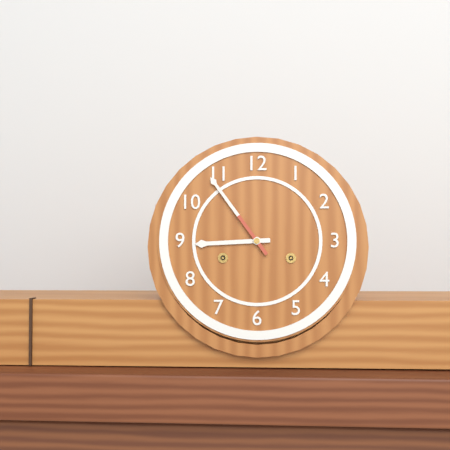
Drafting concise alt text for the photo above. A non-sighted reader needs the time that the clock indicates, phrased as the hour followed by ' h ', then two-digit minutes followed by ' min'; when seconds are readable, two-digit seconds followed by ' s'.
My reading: 8 h 54 min
